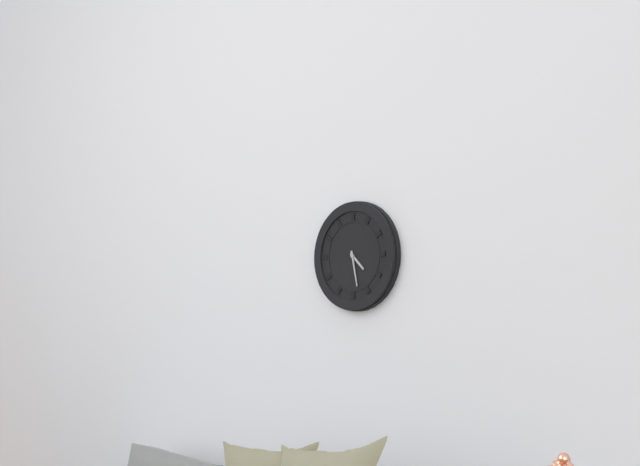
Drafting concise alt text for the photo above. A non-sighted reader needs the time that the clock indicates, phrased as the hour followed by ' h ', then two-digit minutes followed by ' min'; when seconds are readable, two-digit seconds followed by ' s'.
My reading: 4 h 28 min
